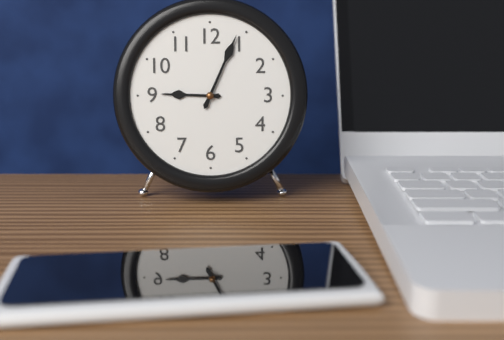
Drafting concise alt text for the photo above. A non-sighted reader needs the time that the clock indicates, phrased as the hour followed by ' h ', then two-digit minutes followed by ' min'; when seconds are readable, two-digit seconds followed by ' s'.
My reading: 9 h 04 min
